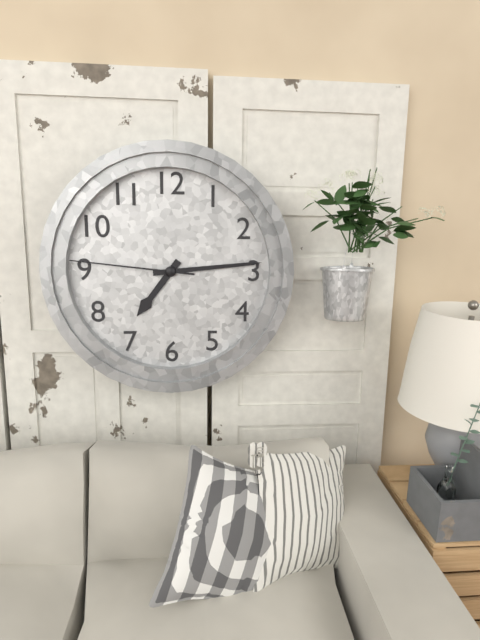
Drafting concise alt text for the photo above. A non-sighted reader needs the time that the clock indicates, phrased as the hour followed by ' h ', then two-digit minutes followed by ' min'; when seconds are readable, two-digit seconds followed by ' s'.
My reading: 7 h 14 min 46 s
